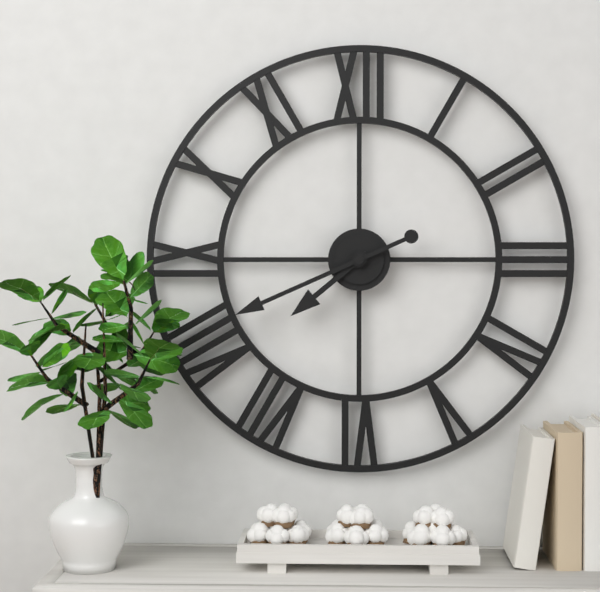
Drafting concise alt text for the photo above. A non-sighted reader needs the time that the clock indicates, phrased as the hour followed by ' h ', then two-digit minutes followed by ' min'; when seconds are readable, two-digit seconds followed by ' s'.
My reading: 7 h 41 min
